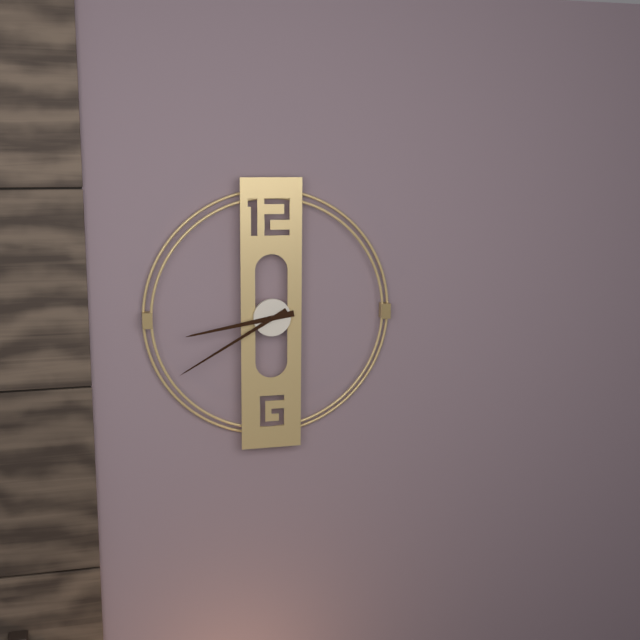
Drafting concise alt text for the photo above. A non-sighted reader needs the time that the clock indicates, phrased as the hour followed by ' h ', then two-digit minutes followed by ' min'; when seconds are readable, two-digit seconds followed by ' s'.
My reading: 8 h 40 min
